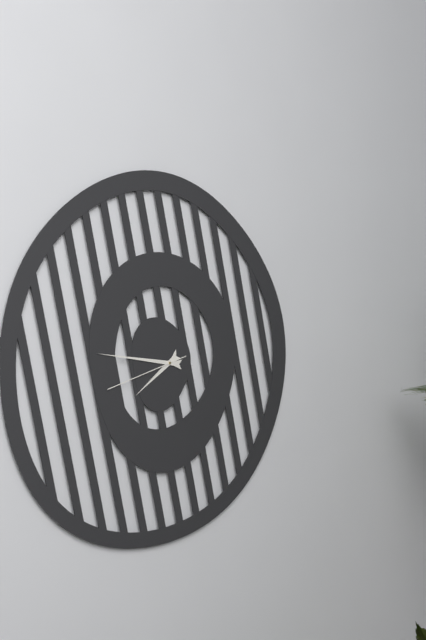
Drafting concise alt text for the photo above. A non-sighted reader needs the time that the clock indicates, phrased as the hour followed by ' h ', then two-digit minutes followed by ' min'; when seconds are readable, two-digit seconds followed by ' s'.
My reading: 7 h 46 min 42 s
